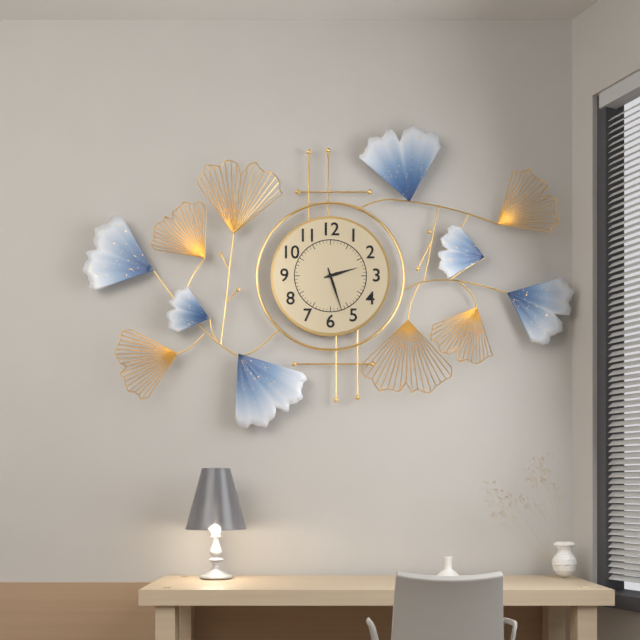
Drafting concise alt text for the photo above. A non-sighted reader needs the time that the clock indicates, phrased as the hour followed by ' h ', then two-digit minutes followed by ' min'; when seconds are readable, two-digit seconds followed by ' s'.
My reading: 2 h 27 min
